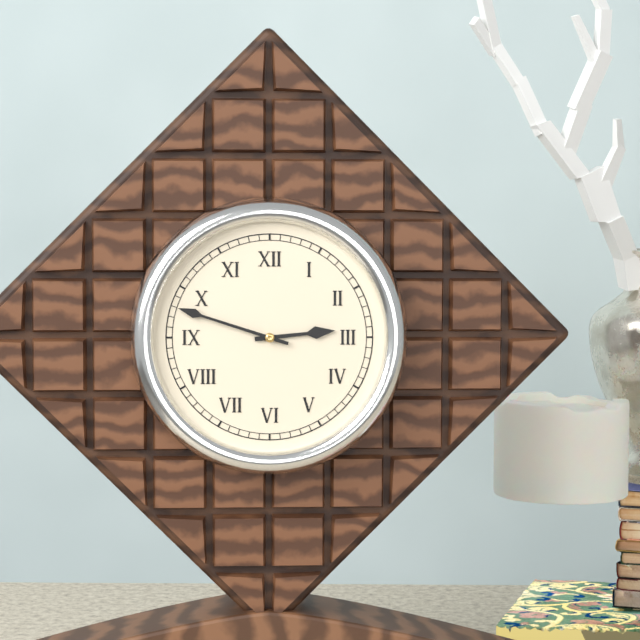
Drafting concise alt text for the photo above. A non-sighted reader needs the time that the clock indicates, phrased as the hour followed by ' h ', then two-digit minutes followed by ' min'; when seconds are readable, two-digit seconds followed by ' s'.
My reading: 2 h 48 min
